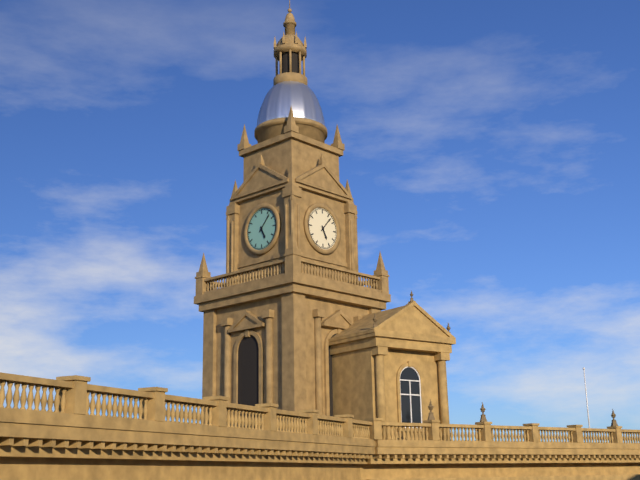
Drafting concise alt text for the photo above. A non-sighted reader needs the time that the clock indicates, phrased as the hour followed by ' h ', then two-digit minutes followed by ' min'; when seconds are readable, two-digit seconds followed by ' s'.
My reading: 5 h 07 min
